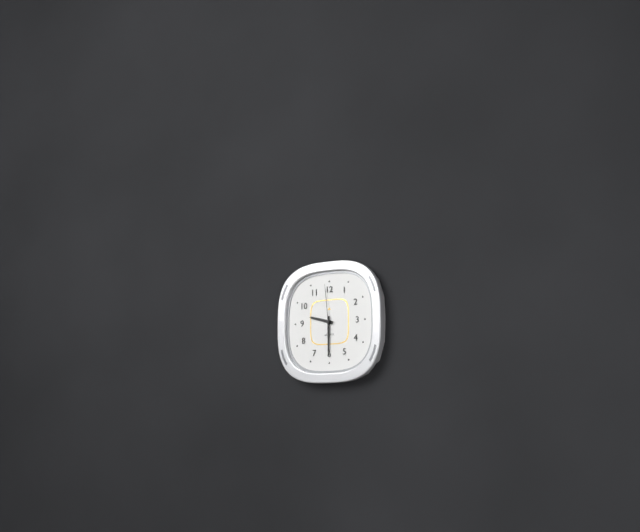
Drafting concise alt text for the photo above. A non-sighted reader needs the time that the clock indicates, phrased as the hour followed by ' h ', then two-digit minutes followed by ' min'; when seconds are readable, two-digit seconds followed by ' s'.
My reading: 9 h 30 min
